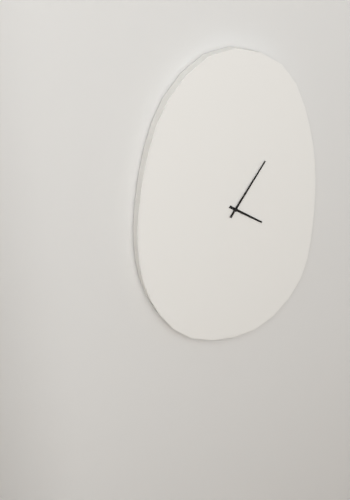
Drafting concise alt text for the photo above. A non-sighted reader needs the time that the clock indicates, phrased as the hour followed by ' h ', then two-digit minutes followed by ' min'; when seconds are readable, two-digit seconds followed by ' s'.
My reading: 4 h 06 min
